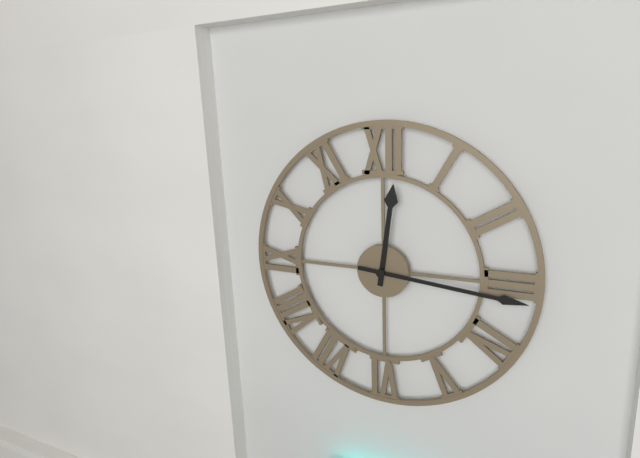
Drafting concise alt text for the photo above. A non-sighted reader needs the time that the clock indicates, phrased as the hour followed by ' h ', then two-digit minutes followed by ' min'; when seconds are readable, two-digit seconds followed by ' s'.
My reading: 12 h 16 min
